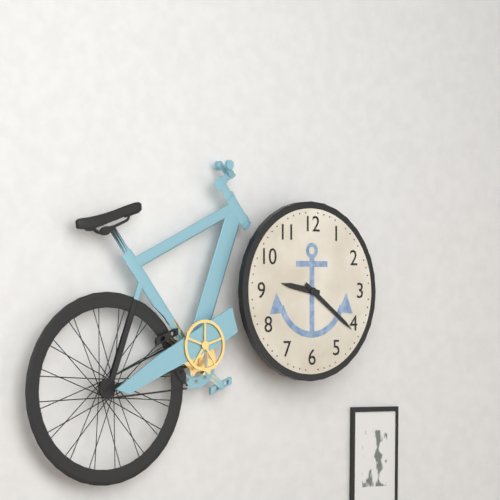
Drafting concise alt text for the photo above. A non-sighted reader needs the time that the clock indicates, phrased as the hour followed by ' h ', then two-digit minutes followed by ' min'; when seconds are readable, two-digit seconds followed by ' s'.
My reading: 9 h 21 min
